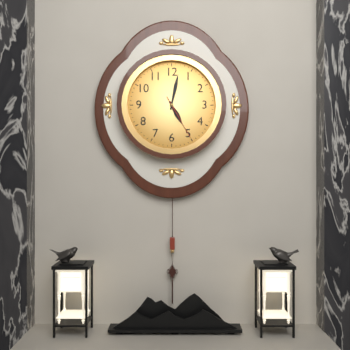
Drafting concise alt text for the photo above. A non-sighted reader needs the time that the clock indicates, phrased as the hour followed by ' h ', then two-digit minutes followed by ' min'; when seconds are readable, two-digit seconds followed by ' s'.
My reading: 5 h 02 min
